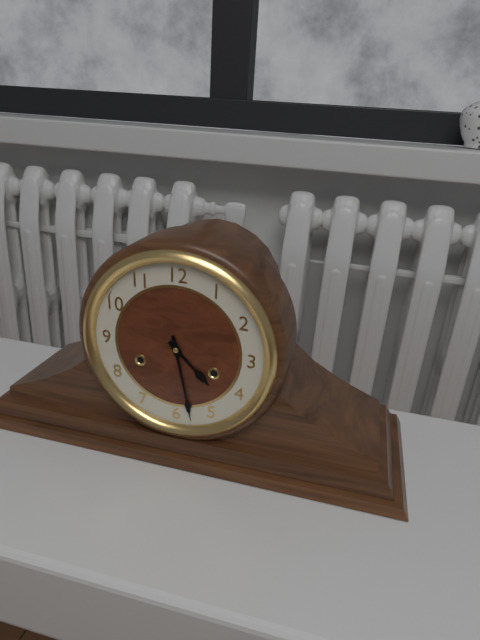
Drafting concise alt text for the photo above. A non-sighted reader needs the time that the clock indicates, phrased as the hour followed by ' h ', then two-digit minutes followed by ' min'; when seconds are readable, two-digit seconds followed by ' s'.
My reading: 4 h 28 min
